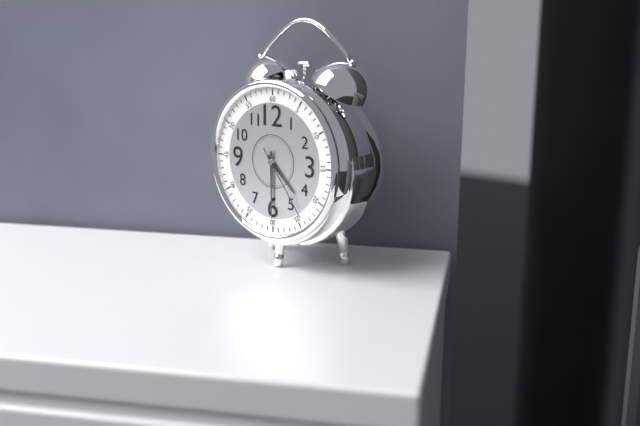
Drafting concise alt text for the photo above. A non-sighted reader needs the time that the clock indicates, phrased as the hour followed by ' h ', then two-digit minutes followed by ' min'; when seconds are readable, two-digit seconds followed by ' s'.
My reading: 4 h 30 min 24 s
